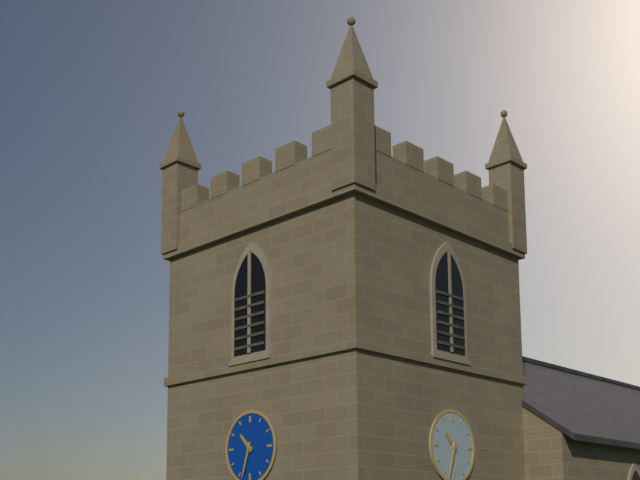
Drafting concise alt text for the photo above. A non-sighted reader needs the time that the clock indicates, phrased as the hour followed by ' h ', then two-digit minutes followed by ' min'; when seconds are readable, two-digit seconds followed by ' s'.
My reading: 10 h 33 min
